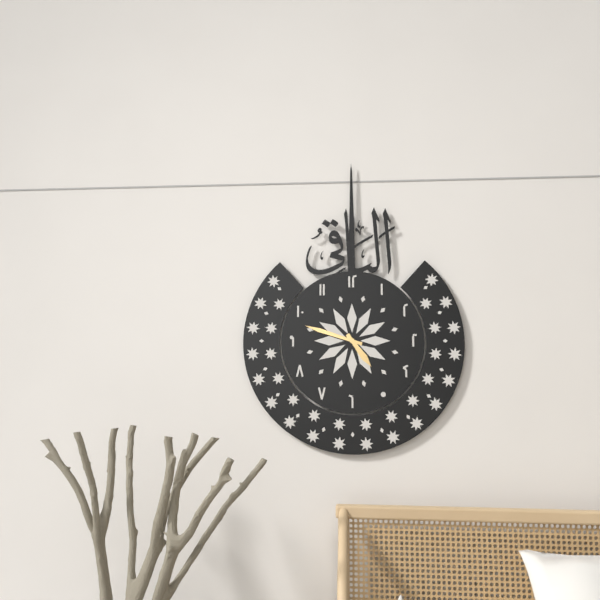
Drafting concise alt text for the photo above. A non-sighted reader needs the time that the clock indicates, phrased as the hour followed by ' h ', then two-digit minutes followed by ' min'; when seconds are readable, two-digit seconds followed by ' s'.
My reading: 4 h 48 min
